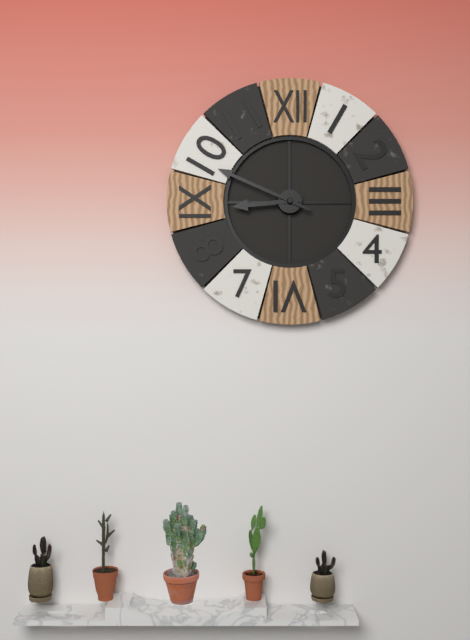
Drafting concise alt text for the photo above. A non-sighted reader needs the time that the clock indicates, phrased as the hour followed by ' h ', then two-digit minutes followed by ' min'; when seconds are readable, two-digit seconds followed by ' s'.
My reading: 8 h 49 min
